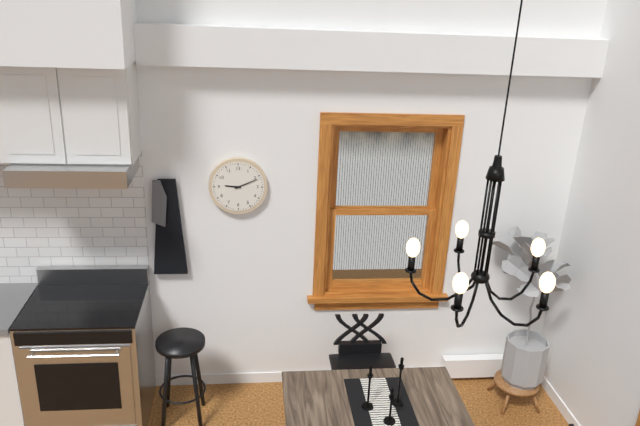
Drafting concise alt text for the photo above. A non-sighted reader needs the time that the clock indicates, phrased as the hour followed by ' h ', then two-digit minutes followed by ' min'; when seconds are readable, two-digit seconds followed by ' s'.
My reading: 9 h 11 min
